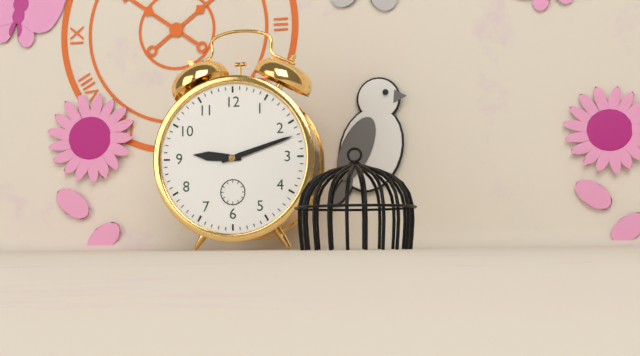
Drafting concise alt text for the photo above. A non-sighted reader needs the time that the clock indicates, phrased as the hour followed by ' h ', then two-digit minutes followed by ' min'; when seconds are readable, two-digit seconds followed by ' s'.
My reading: 9 h 12 min
